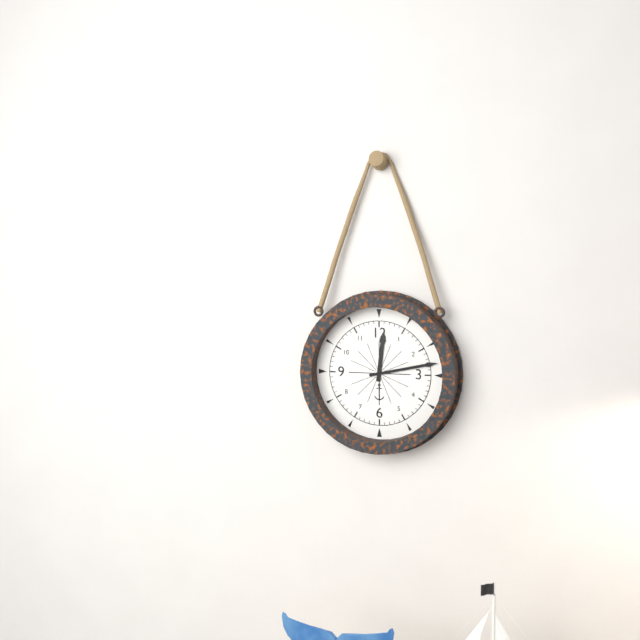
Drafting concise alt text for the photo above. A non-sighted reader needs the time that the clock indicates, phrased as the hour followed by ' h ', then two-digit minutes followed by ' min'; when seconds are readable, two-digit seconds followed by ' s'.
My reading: 12 h 13 min
